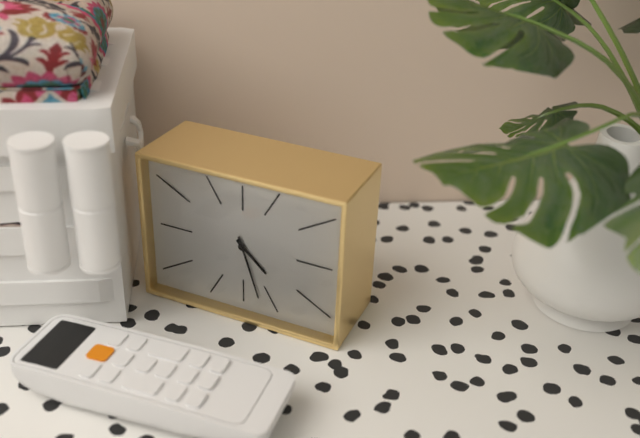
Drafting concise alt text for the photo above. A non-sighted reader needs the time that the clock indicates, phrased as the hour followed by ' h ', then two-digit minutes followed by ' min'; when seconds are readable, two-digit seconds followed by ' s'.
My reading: 4 h 27 min
